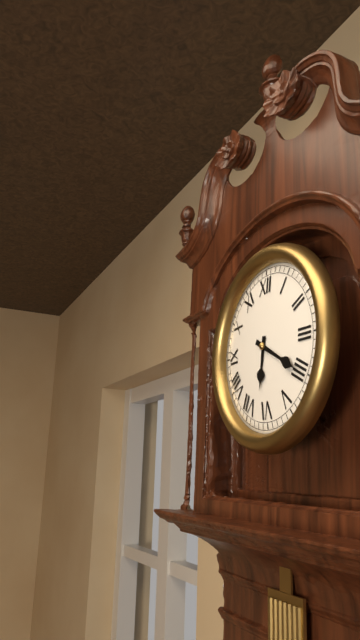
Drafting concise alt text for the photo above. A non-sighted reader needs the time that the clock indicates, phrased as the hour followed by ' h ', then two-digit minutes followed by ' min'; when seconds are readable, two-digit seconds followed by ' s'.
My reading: 6 h 20 min
